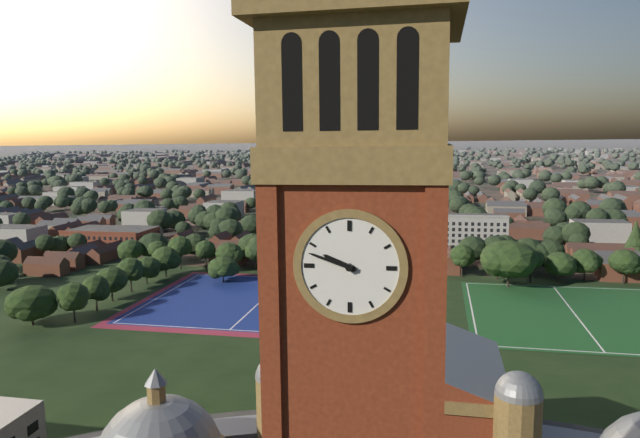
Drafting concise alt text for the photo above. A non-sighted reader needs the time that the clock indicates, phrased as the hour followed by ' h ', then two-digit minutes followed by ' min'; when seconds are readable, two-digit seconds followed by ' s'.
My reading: 9 h 48 min
